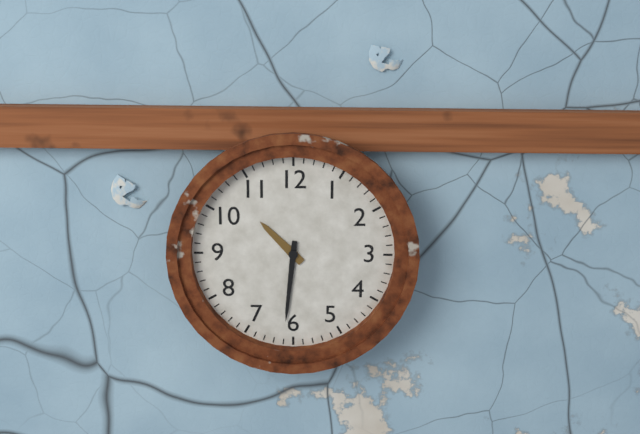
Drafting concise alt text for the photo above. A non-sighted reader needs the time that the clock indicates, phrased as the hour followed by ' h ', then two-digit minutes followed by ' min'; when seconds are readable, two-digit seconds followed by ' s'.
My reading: 10 h 31 min
